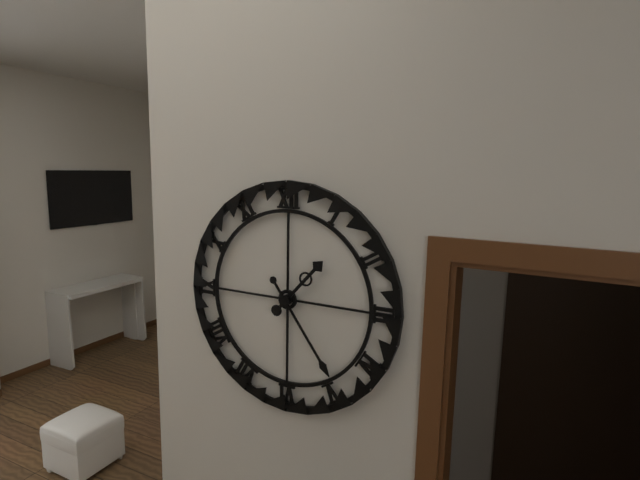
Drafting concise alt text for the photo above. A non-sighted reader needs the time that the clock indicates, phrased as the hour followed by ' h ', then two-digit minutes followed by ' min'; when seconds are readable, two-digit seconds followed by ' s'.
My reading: 1 h 24 min
